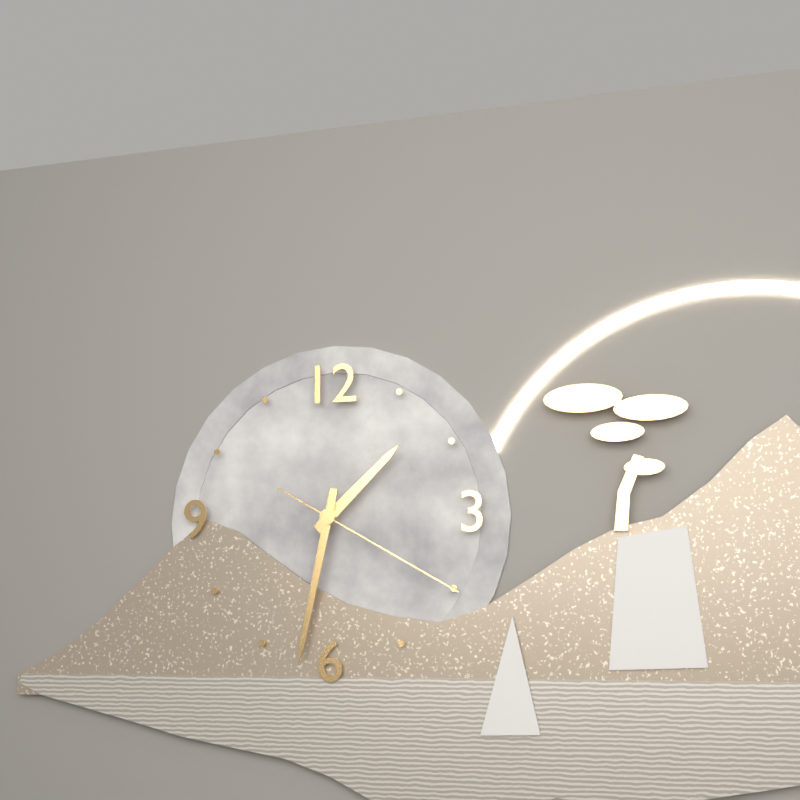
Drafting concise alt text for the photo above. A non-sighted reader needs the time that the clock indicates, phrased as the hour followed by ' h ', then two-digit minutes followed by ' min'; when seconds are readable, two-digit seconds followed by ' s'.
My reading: 1 h 32 min 20 s
